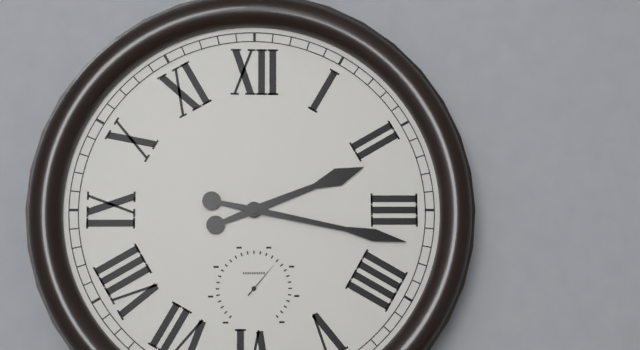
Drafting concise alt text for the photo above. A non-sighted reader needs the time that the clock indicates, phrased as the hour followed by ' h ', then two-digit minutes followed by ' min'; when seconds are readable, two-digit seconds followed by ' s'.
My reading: 2 h 17 min
